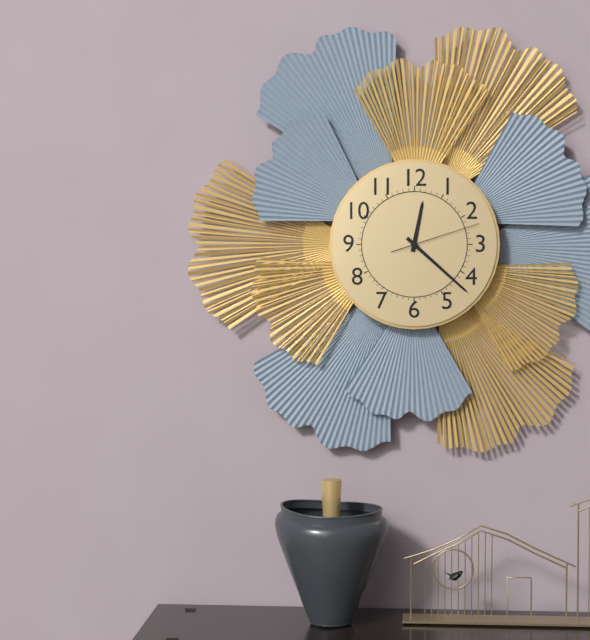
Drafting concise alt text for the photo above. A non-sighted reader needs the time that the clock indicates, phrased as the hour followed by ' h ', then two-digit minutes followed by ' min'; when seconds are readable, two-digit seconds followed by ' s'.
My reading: 12 h 22 min 12 s
